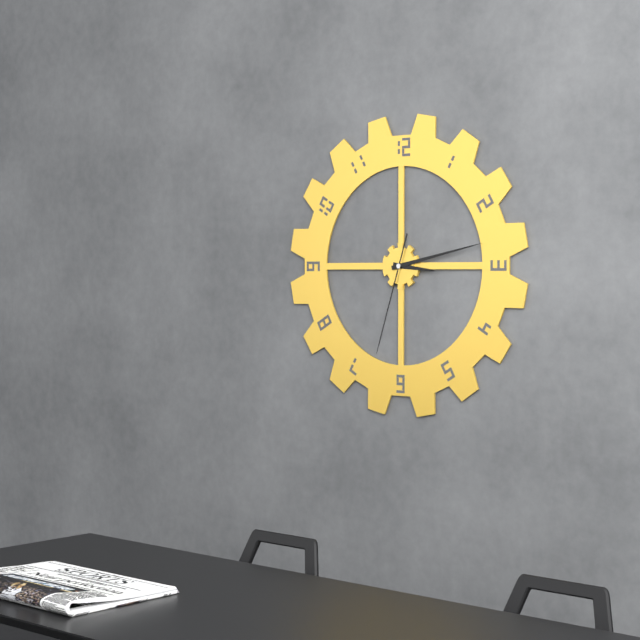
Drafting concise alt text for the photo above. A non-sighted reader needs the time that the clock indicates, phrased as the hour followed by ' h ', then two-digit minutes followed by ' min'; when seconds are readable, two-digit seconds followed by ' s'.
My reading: 3 h 13 min 33 s
